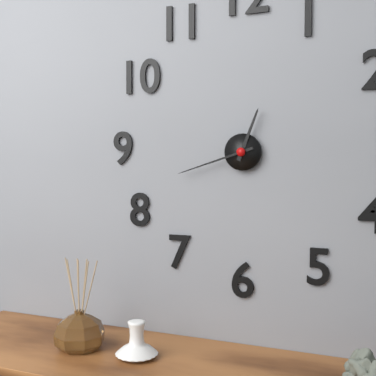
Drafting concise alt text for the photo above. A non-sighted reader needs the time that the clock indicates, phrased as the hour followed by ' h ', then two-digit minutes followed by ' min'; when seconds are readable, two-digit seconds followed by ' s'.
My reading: 12 h 42 min
